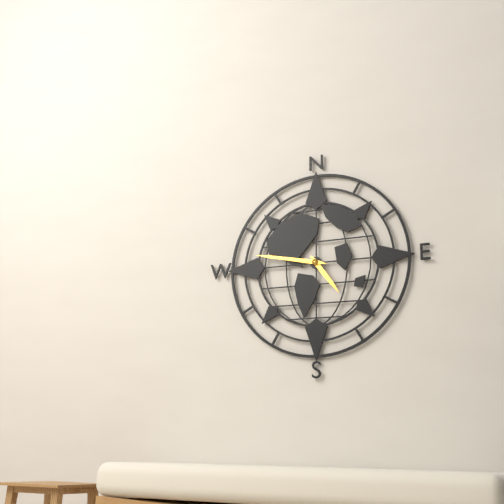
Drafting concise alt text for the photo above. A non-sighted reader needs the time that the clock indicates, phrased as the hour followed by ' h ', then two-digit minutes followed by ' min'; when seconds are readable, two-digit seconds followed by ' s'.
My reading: 4 h 47 min
